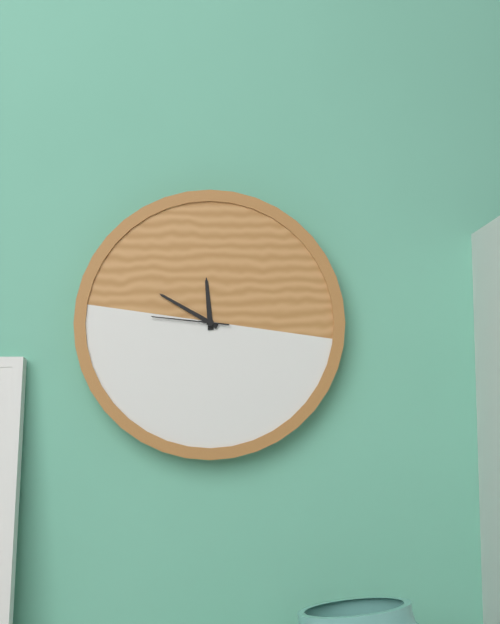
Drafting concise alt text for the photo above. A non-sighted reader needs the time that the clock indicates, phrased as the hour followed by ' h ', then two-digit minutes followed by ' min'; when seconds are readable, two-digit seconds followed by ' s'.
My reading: 11 h 50 min 46 s
